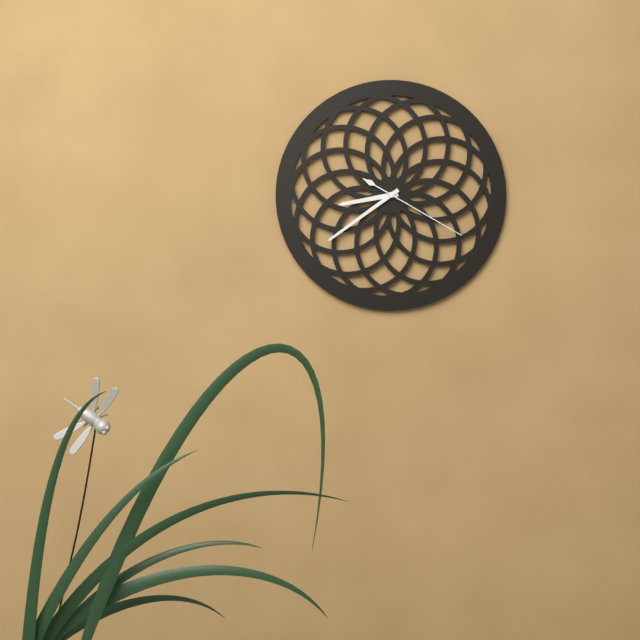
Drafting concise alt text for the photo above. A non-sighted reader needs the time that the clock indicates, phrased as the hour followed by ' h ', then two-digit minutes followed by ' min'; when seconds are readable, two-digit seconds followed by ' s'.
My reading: 8 h 39 min 20 s
